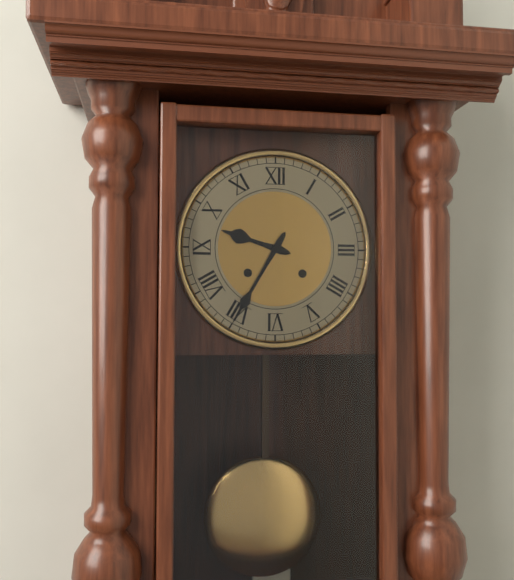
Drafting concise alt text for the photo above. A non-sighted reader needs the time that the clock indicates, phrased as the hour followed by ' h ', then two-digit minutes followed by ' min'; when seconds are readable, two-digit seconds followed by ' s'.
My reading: 9 h 35 min
